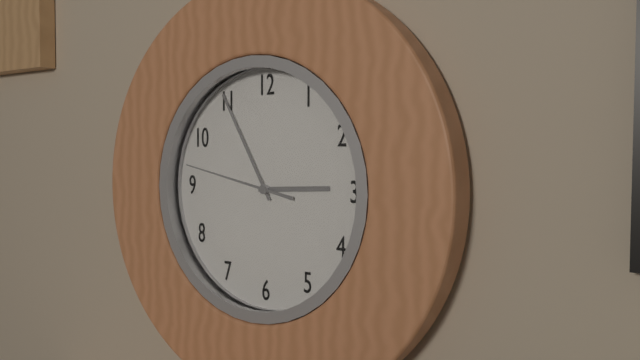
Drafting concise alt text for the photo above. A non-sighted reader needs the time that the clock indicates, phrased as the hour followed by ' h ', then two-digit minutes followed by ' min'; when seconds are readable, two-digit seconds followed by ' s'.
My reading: 2 h 55 min 47 s
